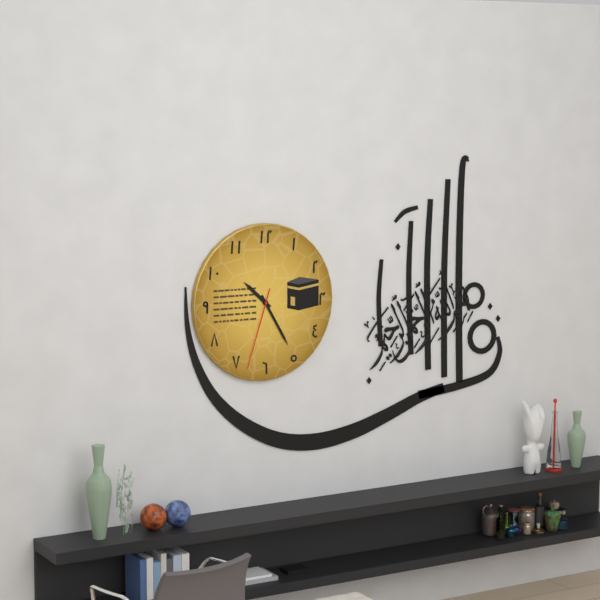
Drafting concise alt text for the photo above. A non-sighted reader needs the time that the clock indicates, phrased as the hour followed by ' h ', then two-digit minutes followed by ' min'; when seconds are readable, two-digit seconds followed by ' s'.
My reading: 10 h 25 min 33 s
